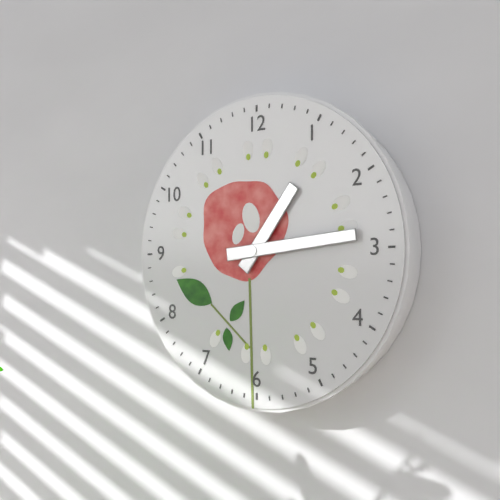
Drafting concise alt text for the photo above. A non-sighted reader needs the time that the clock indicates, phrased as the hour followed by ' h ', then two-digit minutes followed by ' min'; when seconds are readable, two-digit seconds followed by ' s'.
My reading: 1 h 14 min
